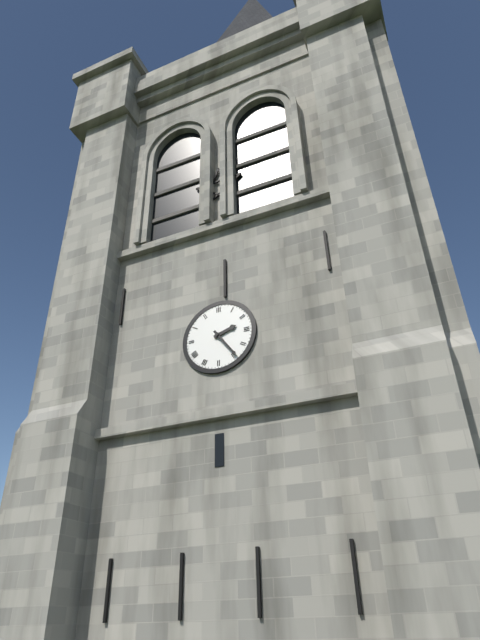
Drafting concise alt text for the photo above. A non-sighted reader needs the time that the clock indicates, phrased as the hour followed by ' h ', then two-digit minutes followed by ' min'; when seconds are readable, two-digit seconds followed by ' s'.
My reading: 2 h 24 min
